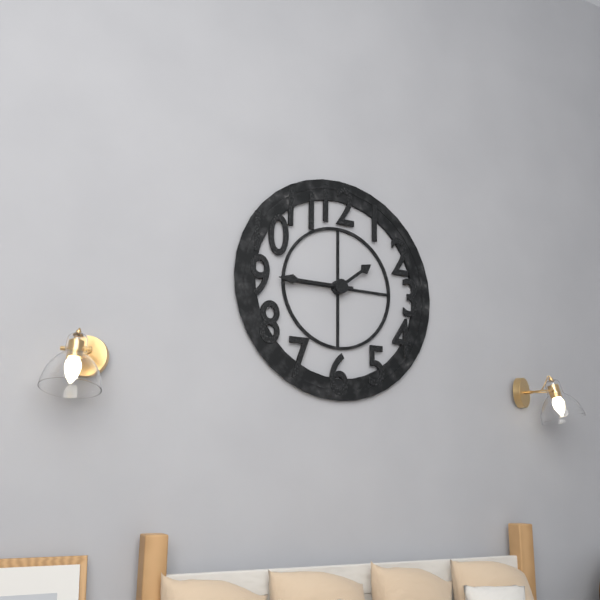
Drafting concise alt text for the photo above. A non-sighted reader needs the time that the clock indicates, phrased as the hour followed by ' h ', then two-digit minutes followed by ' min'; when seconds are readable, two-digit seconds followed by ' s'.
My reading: 1 h 45 min
